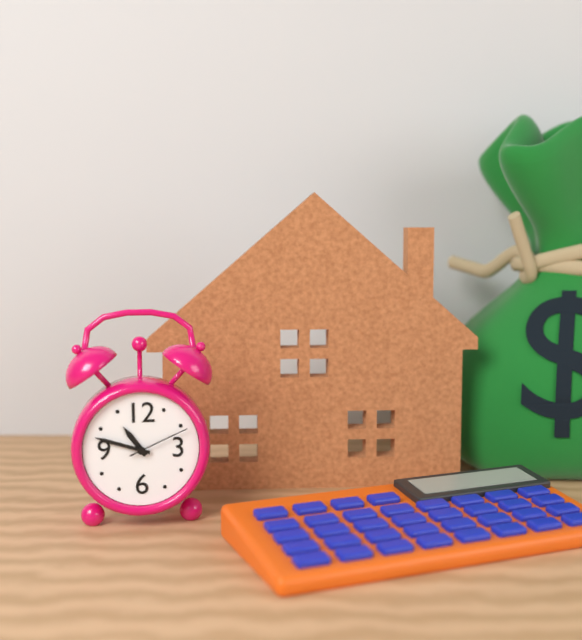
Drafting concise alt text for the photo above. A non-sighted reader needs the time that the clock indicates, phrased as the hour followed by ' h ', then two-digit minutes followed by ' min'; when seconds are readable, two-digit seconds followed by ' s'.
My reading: 10 h 48 min 11 s
